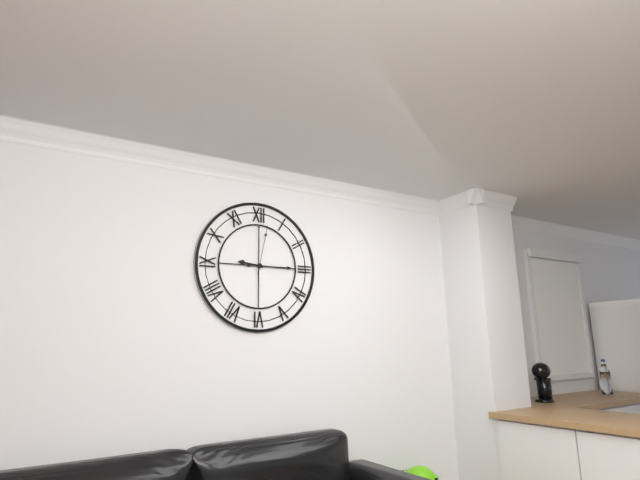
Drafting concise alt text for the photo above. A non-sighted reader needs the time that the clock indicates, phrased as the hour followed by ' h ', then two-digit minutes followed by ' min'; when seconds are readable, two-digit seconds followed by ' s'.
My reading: 9 h 15 min
